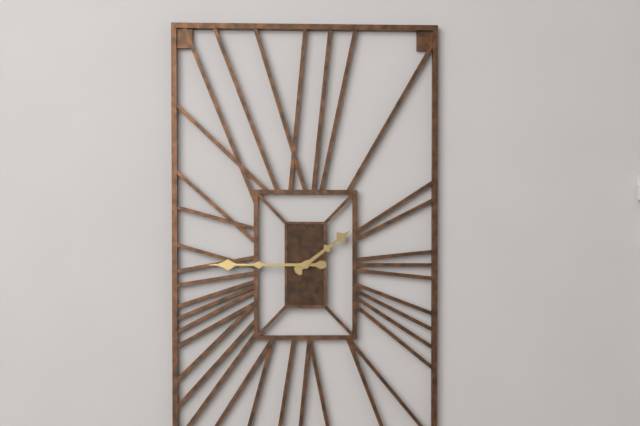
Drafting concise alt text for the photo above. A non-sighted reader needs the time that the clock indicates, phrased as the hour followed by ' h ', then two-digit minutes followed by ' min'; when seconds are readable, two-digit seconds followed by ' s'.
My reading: 1 h 45 min
